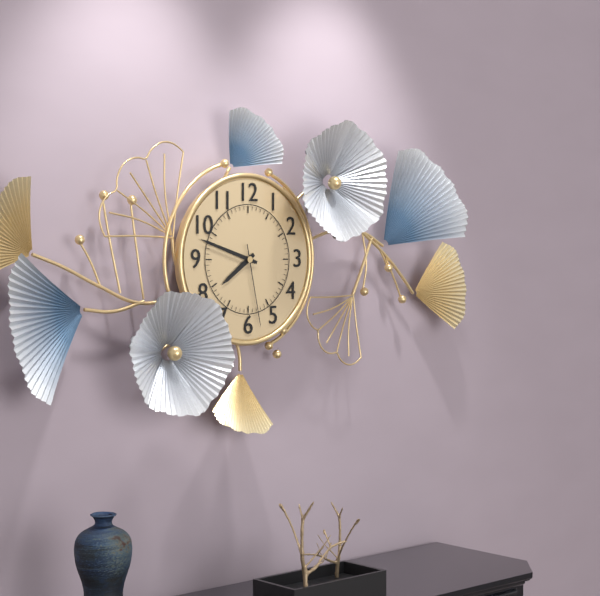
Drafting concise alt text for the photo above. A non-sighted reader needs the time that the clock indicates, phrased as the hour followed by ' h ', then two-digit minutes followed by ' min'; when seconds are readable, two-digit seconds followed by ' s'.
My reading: 7 h 48 min 28 s
